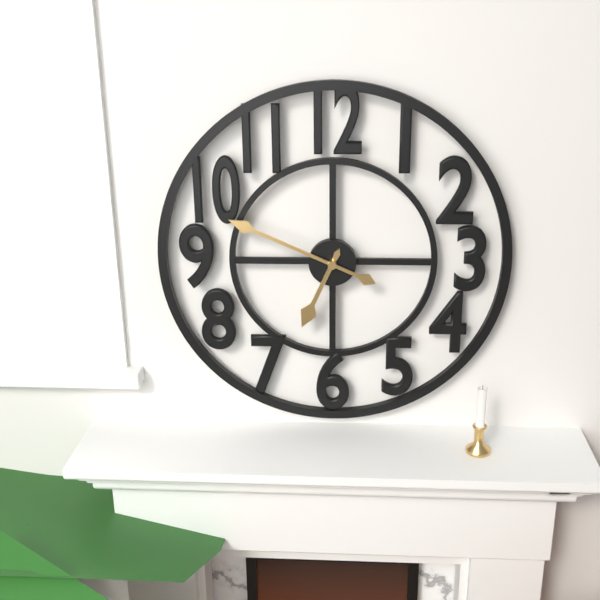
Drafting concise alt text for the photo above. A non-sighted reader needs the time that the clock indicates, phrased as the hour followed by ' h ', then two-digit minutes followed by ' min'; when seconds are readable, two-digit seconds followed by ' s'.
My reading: 6 h 49 min
